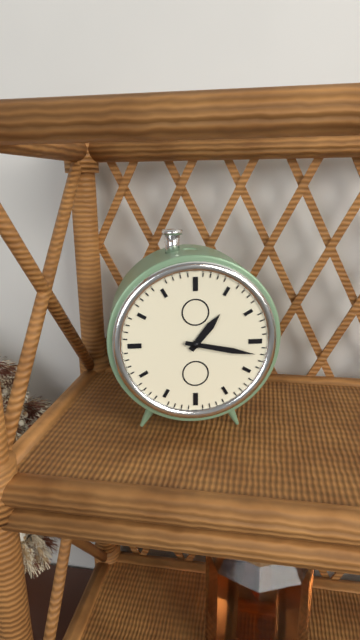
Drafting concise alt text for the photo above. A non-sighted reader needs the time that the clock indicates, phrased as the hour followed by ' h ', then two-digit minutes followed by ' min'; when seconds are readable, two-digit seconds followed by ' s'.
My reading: 1 h 17 min
